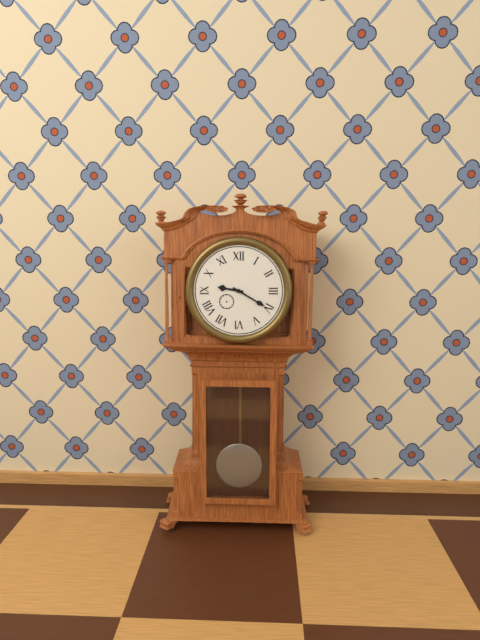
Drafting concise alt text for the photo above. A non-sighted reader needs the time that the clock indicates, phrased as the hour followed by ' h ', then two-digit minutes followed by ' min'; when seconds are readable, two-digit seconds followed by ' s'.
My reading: 9 h 20 min
